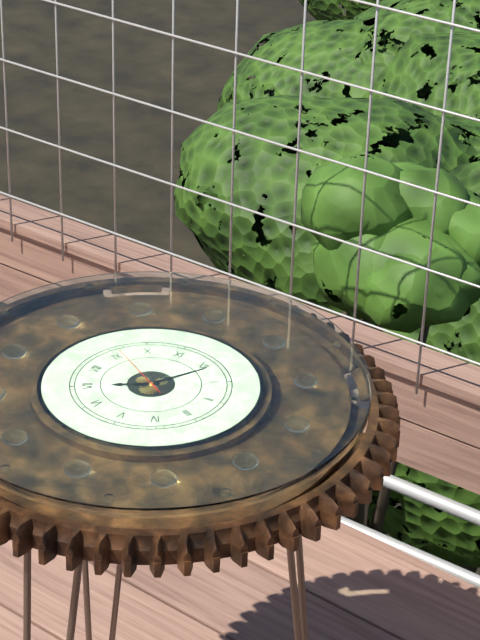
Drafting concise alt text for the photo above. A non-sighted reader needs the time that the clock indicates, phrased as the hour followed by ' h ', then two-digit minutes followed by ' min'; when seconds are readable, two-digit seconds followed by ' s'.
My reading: 7 h 01 min 46 s
